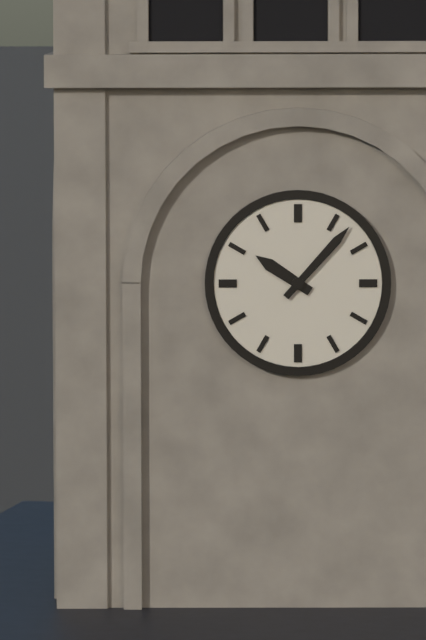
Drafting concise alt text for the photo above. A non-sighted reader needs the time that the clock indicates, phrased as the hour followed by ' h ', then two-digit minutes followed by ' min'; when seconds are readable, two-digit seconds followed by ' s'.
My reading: 10 h 07 min
